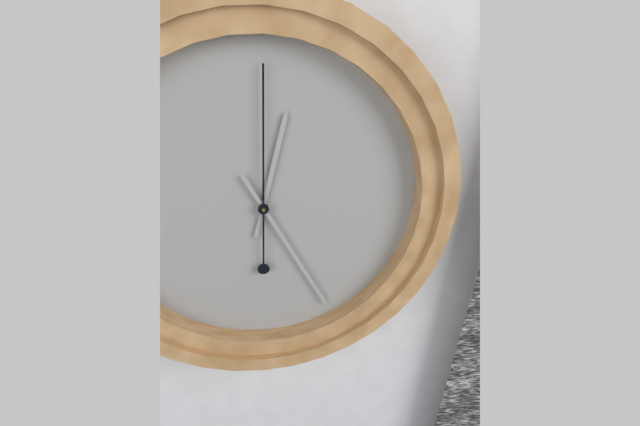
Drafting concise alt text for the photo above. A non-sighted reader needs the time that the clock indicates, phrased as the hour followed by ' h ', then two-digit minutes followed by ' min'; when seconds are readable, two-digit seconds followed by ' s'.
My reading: 12 h 25 min 00 s
